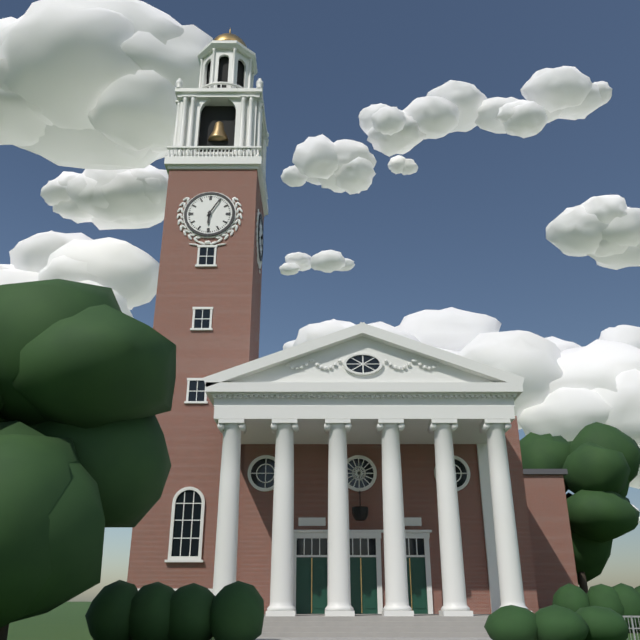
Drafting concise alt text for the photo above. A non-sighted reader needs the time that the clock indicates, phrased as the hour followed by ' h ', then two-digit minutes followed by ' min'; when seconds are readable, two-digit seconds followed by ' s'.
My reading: 6 h 05 min
